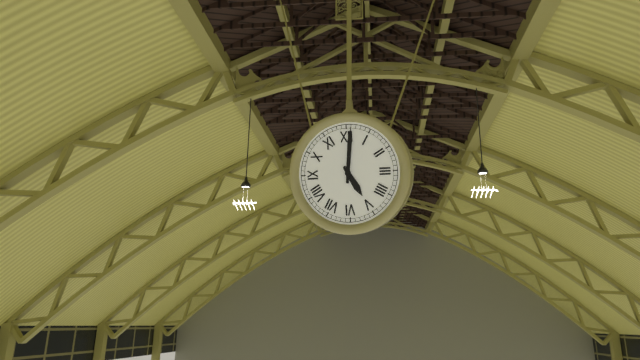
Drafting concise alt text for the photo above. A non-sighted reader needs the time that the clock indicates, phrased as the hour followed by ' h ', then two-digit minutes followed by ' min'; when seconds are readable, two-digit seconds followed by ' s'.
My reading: 5 h 01 min
